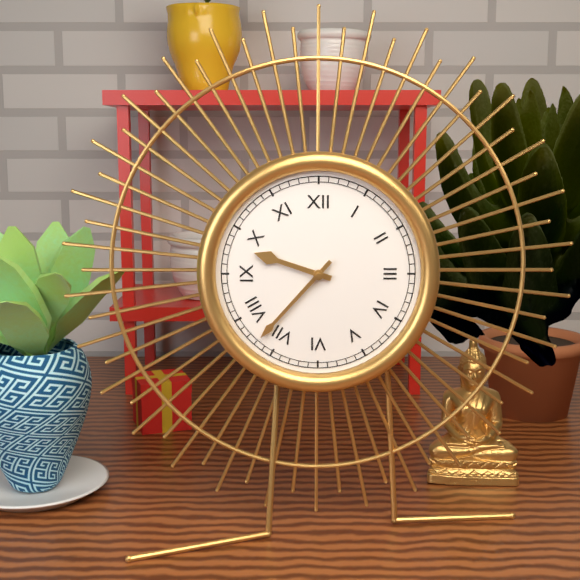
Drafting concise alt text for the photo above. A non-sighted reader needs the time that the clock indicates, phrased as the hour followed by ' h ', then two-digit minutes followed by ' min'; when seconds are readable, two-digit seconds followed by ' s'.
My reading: 9 h 37 min
